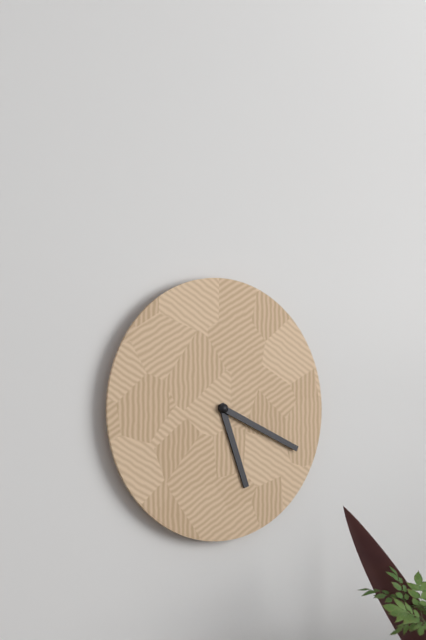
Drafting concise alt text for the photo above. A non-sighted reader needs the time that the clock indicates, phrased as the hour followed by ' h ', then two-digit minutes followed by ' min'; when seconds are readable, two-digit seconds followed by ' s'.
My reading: 5 h 19 min
